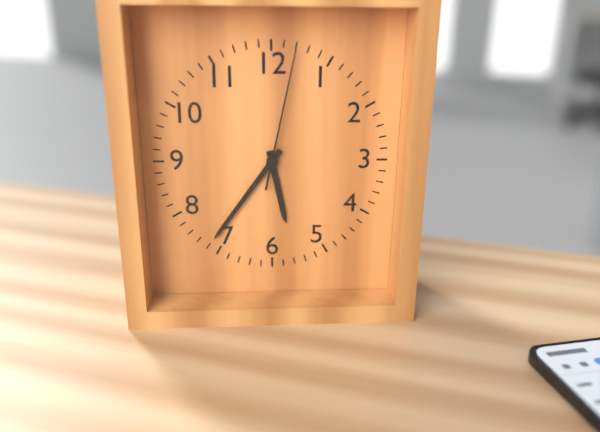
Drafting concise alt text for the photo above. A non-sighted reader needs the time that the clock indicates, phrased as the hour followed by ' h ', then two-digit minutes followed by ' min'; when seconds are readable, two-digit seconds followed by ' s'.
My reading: 5 h 36 min 02 s
